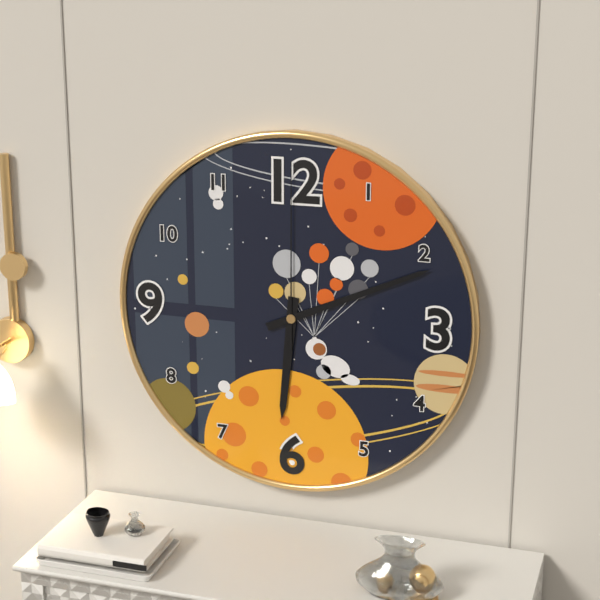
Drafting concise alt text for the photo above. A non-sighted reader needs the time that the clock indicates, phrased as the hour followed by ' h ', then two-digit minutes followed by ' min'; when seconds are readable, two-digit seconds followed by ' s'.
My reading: 6 h 11 min 00 s
